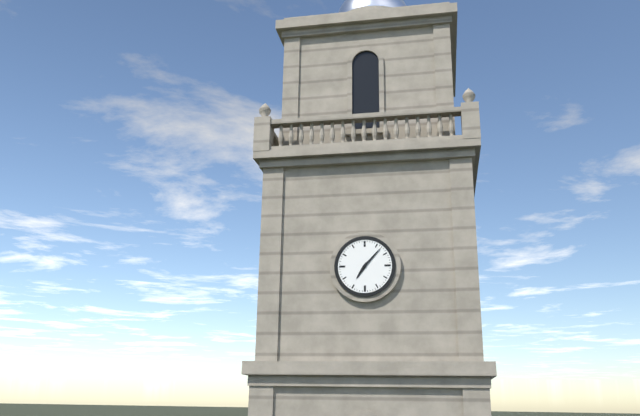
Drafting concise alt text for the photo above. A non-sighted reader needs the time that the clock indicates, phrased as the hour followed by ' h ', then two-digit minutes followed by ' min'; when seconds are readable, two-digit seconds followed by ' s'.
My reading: 7 h 07 min
